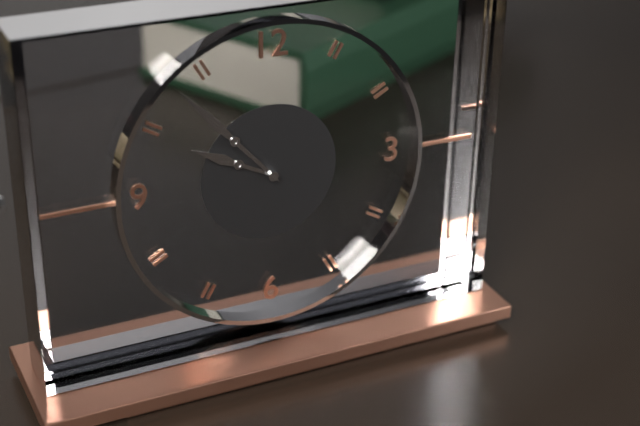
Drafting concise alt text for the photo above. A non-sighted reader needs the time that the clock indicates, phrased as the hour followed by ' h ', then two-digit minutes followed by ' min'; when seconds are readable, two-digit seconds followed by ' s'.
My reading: 9 h 53 min
